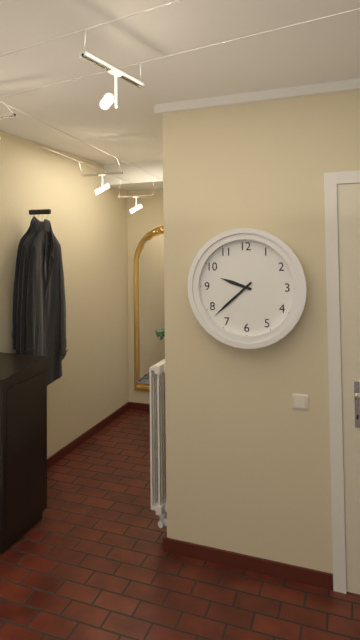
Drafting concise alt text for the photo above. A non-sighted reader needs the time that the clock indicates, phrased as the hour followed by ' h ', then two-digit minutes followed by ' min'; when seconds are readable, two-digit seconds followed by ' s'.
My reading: 9 h 38 min
